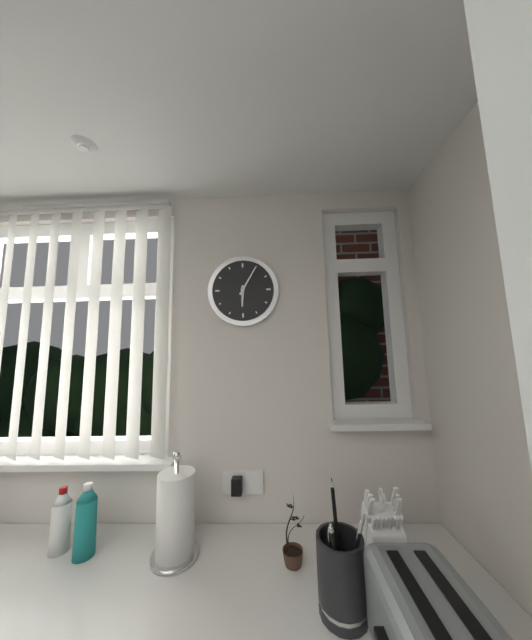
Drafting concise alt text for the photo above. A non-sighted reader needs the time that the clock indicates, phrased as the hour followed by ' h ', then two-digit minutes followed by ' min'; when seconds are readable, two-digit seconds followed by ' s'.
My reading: 6 h 05 min
